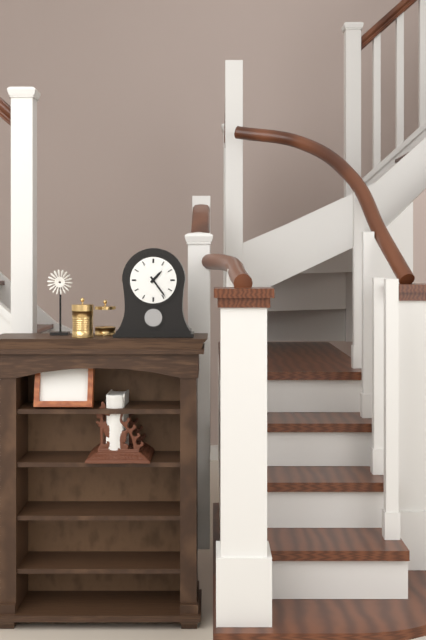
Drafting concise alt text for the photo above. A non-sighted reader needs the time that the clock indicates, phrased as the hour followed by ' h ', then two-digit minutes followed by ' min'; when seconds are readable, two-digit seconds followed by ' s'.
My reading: 1 h 24 min
